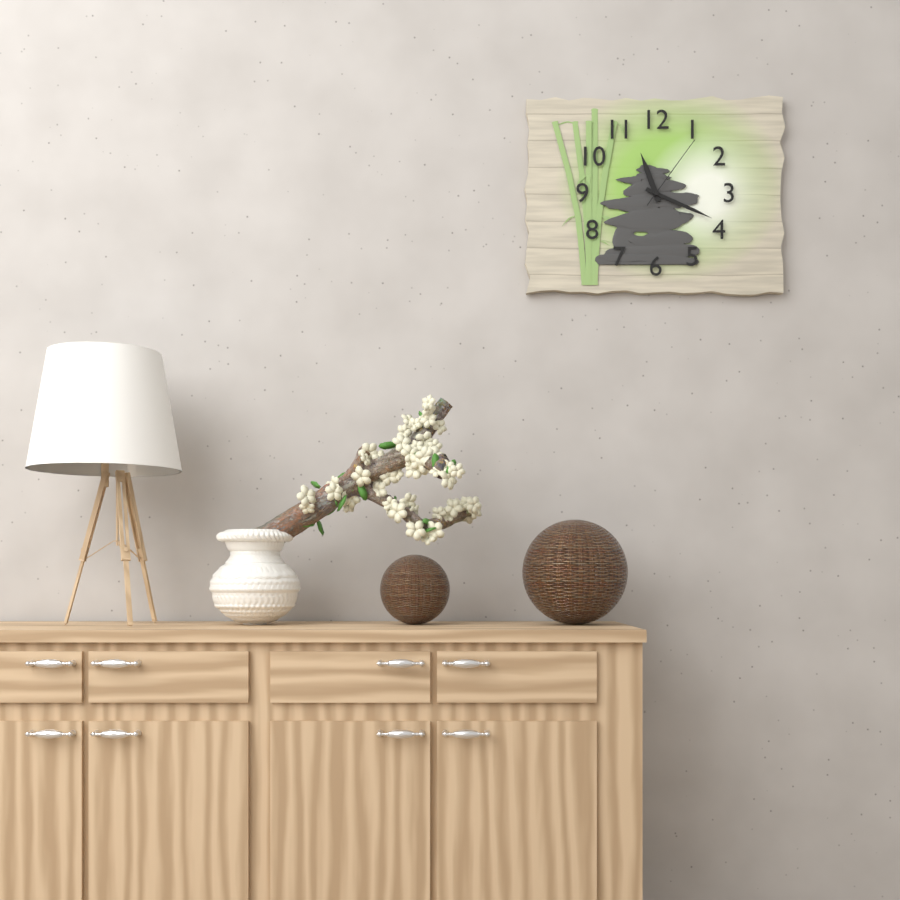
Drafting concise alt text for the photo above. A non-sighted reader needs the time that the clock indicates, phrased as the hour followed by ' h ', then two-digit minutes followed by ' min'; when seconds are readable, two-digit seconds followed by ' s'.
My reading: 11 h 19 min 06 s
